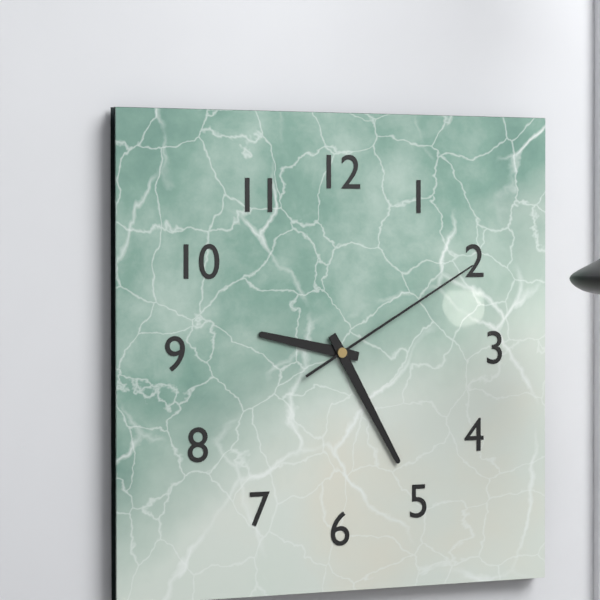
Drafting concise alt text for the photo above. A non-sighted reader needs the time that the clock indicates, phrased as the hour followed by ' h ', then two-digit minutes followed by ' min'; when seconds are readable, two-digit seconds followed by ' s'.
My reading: 9 h 25 min 10 s
